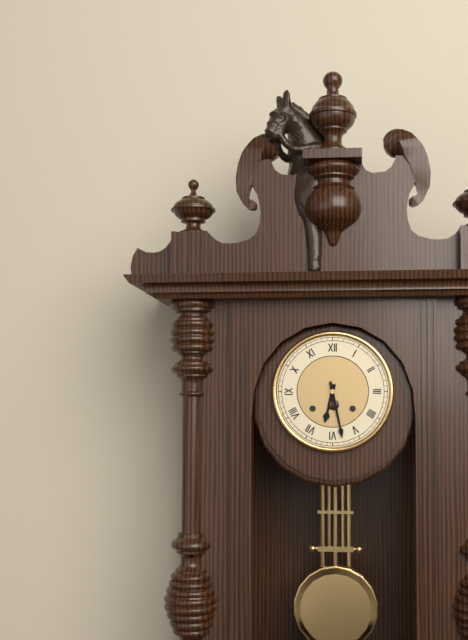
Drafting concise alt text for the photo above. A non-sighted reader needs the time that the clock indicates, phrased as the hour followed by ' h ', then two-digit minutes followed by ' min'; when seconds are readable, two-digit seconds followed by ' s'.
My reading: 6 h 28 min
